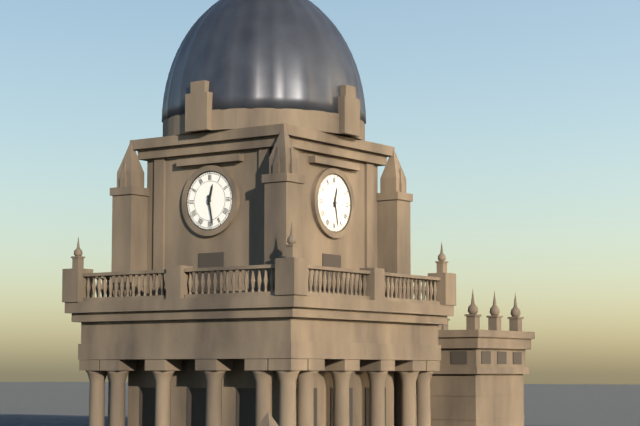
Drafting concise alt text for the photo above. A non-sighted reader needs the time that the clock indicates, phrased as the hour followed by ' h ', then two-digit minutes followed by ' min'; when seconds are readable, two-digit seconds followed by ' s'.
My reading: 12 h 28 min
